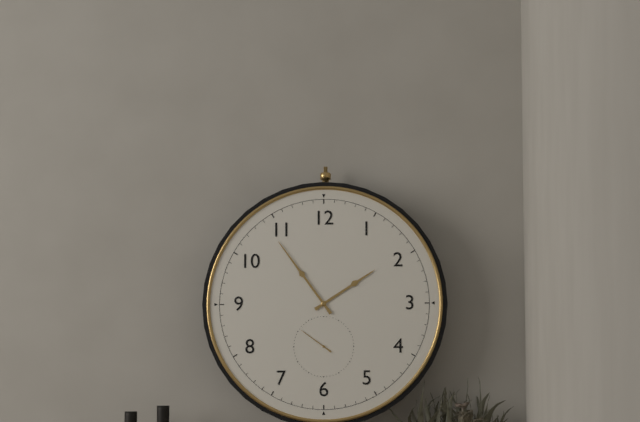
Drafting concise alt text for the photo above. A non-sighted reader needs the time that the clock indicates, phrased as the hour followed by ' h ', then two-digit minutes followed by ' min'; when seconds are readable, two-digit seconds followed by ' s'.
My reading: 1 h 54 min
